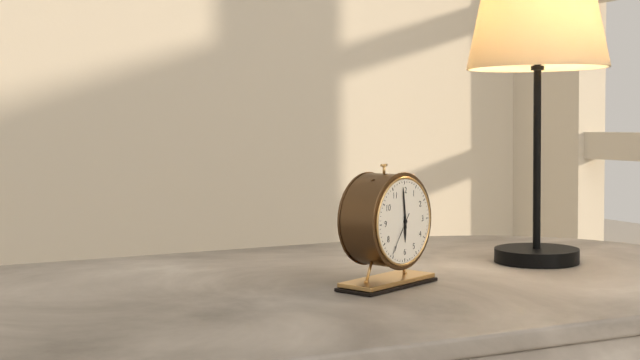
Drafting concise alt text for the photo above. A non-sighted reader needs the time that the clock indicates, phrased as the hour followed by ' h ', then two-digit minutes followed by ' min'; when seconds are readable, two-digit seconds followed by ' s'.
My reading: 5 h 59 min
